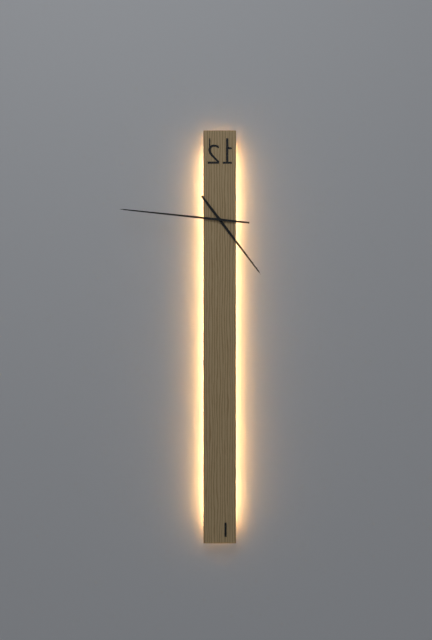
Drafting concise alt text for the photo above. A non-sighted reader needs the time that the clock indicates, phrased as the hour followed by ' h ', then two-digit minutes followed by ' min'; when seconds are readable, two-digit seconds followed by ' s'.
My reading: 4 h 46 min
